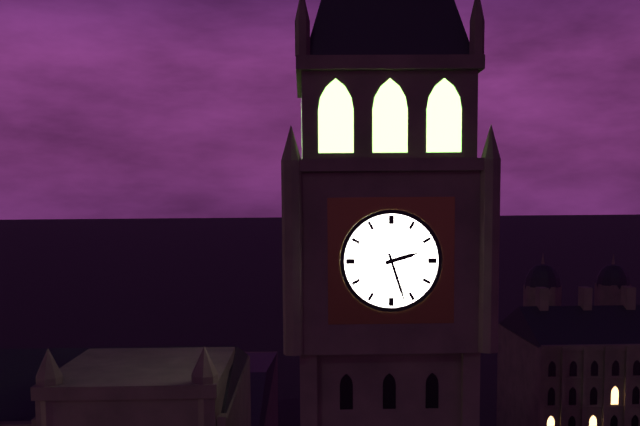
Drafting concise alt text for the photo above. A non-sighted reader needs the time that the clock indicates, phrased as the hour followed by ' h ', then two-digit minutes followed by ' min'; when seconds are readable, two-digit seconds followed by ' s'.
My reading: 2 h 27 min
